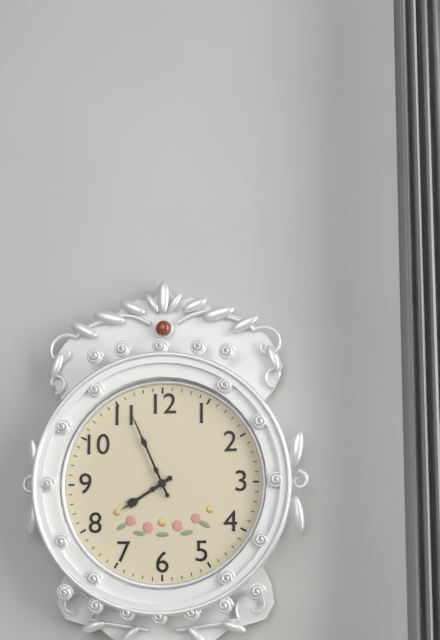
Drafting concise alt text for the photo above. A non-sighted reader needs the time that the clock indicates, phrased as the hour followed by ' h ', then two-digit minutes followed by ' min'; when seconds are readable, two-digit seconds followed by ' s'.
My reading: 7 h 56 min
